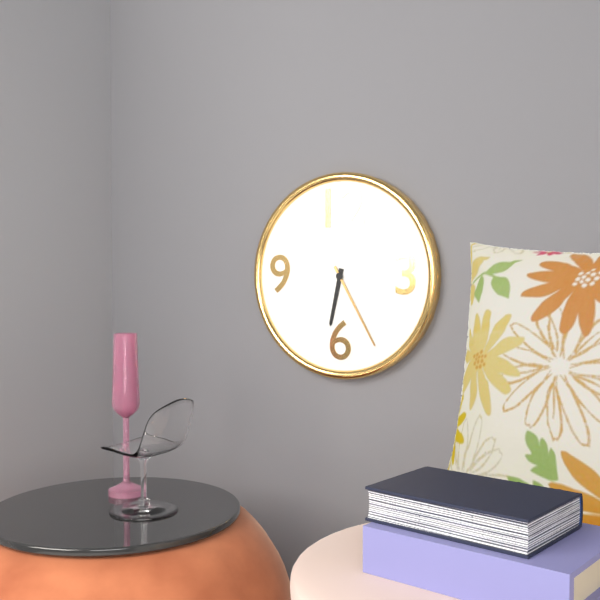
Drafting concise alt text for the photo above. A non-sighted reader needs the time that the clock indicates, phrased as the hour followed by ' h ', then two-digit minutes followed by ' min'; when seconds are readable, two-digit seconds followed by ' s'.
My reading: 6 h 25 min
